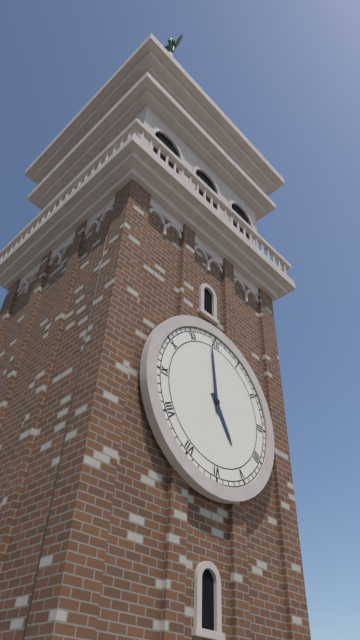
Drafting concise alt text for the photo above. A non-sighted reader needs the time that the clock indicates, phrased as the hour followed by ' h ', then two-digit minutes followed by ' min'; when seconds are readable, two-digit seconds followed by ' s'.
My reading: 4 h 59 min
